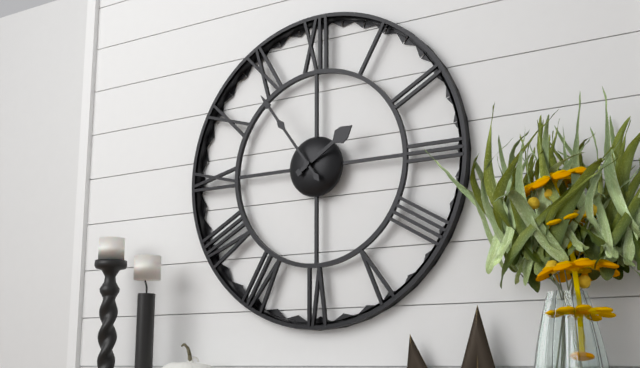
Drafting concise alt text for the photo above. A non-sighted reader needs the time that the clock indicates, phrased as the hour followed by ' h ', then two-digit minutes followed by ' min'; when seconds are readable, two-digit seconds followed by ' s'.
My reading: 1 h 54 min
